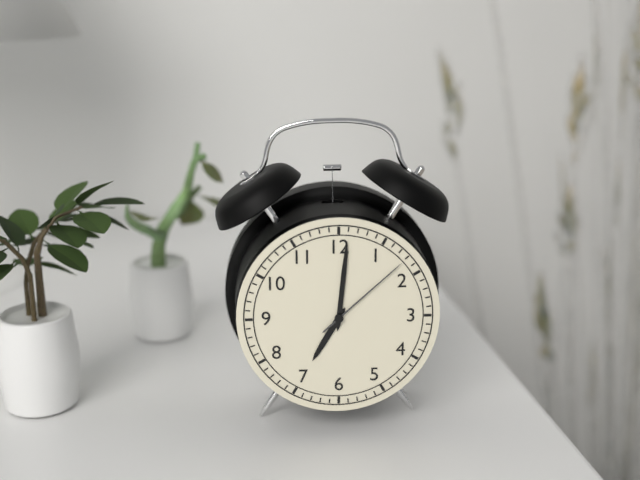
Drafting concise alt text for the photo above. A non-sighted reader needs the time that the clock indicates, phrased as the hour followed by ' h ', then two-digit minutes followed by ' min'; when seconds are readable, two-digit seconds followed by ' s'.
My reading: 7 h 01 min 08 s
